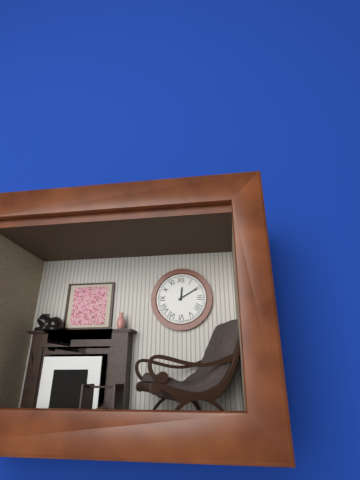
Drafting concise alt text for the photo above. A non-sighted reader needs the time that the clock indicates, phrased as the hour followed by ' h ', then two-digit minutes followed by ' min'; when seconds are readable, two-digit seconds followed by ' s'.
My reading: 12 h 10 min
